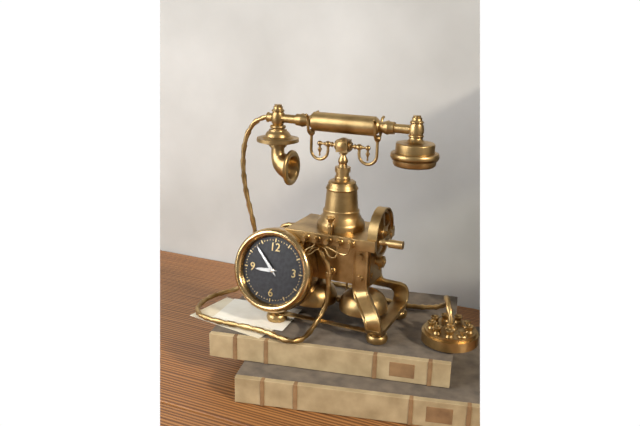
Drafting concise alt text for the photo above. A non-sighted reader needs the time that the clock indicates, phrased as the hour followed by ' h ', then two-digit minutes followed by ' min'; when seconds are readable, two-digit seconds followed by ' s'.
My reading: 8 h 53 min
